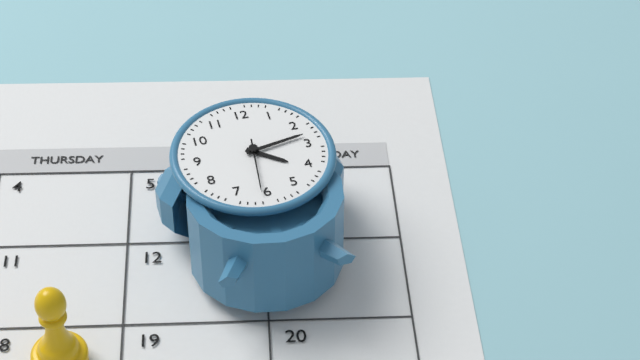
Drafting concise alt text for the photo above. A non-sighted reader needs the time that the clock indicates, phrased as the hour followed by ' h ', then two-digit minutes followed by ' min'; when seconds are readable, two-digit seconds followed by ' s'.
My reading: 4 h 13 min 31 s
